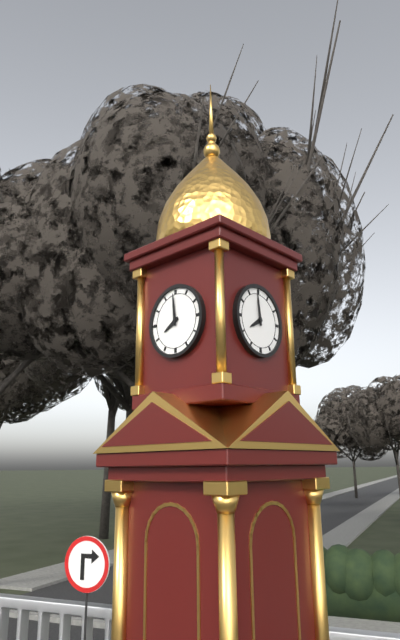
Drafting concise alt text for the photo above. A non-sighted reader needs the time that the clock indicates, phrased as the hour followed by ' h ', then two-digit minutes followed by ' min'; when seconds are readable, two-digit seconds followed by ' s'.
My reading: 7 h 59 min
